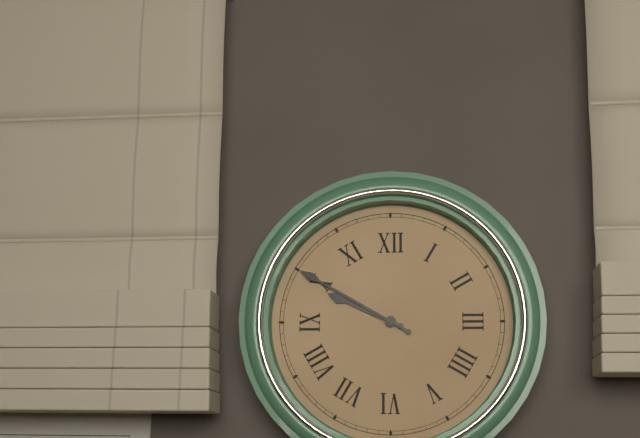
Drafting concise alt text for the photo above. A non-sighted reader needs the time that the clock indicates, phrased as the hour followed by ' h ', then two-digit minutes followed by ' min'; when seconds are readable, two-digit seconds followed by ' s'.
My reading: 9 h 50 min
